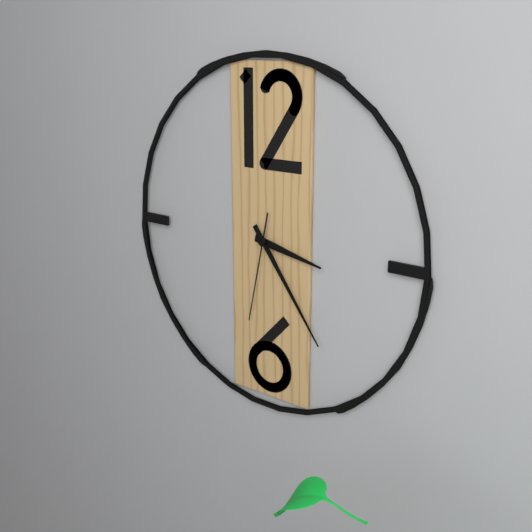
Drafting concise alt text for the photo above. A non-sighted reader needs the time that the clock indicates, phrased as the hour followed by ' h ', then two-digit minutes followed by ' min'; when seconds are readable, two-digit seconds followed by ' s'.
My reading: 3 h 24 min 32 s
